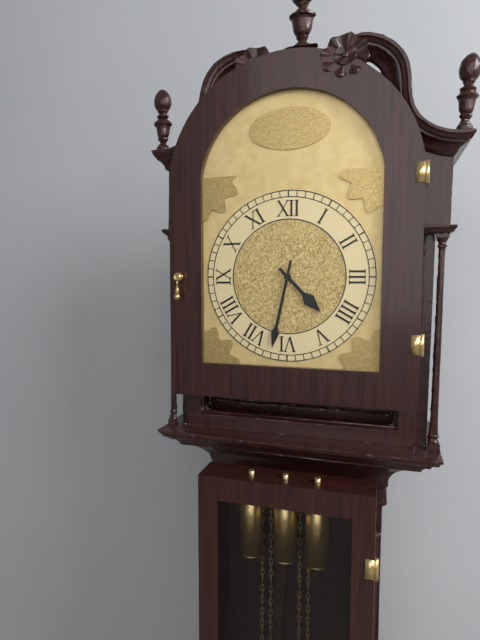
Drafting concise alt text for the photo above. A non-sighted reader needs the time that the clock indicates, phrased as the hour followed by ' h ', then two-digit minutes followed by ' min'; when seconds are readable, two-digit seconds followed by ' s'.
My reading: 4 h 32 min
